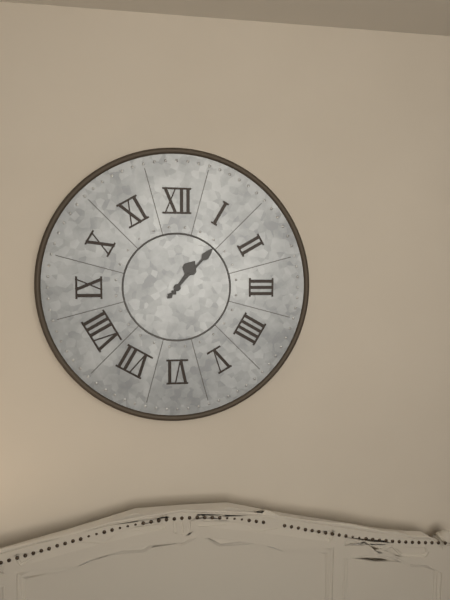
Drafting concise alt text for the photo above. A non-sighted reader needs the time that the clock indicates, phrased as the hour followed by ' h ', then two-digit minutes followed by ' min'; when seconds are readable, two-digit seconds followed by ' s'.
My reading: 1 h 07 min
